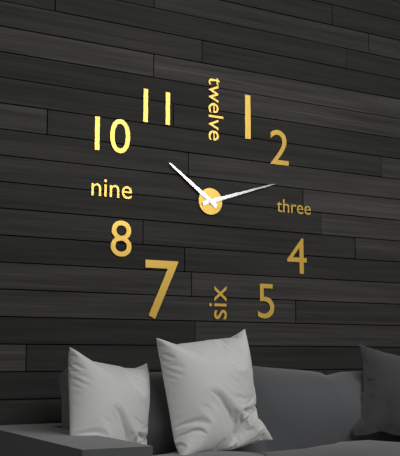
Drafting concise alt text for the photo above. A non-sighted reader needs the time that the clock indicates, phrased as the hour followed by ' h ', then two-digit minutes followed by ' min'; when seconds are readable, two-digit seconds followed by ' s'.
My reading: 10 h 12 min
